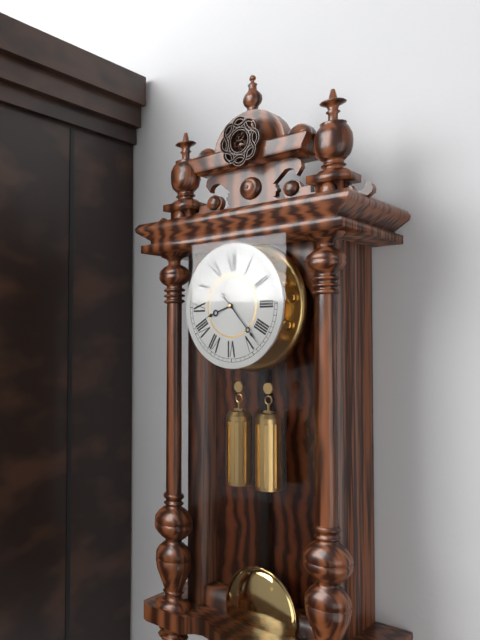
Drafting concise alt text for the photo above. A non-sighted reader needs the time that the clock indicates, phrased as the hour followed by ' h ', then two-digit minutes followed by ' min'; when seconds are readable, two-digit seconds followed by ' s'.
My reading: 8 h 23 min
